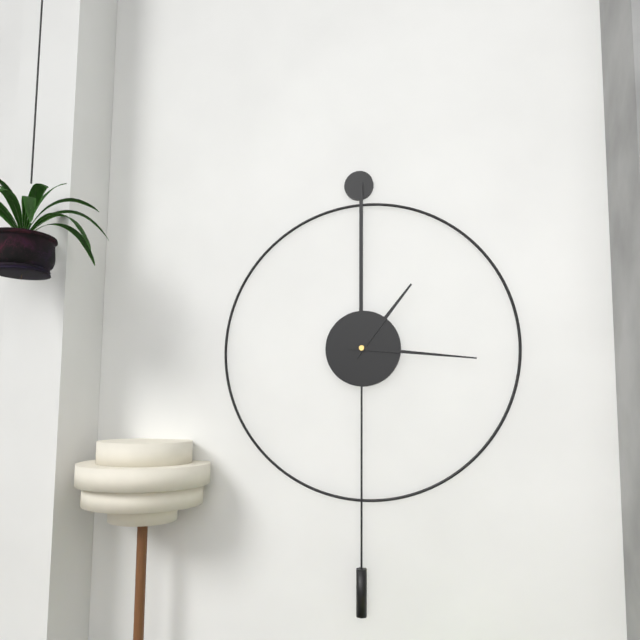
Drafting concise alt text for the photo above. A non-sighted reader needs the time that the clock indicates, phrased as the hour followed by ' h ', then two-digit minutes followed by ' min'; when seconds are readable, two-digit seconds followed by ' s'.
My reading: 1 h 16 min
